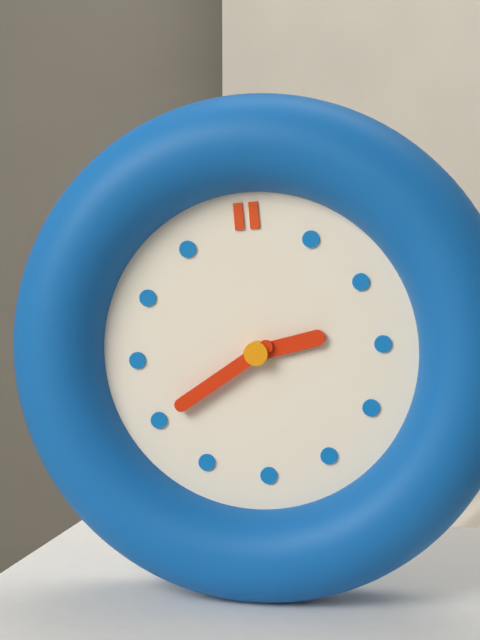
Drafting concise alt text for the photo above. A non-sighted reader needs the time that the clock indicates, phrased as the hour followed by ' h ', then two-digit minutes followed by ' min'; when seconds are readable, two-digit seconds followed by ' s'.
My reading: 2 h 40 min
